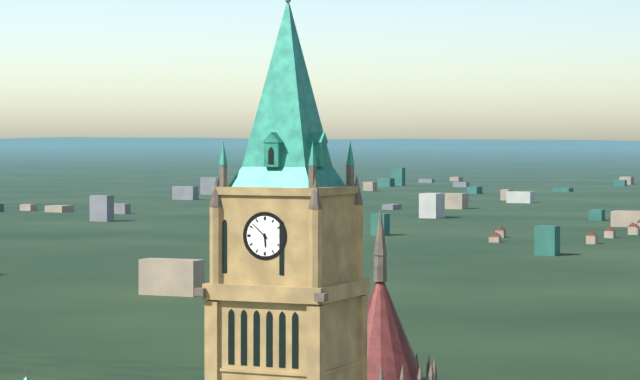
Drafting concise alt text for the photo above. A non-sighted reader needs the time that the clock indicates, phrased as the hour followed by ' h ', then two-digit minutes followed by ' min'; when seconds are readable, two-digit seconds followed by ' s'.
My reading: 5 h 52 min
